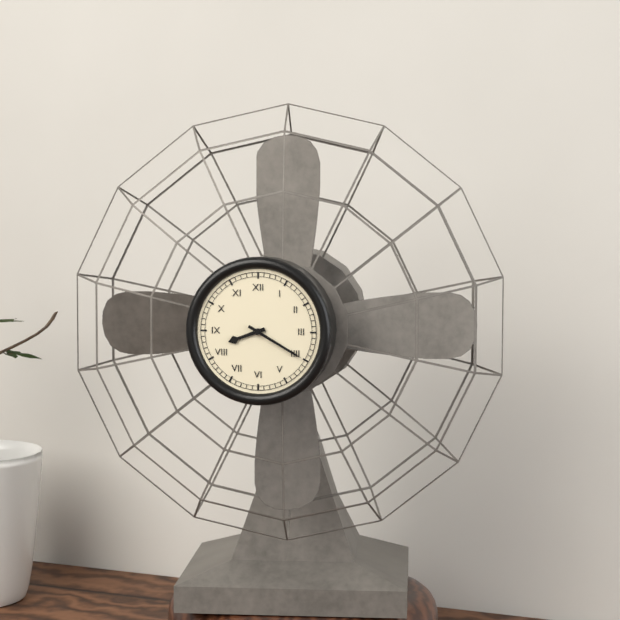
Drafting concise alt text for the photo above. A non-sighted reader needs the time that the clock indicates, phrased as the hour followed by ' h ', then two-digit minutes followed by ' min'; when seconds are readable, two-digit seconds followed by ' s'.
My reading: 8 h 20 min
